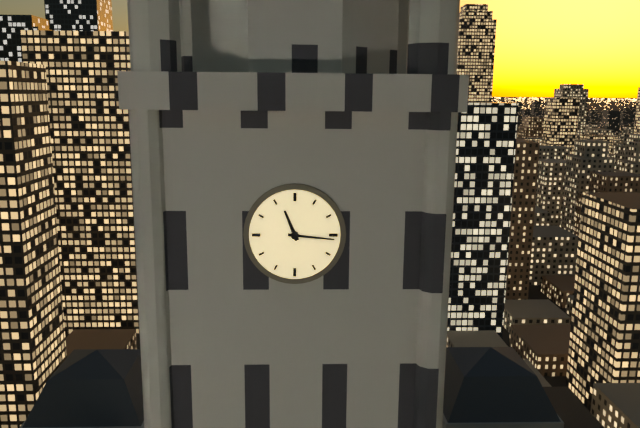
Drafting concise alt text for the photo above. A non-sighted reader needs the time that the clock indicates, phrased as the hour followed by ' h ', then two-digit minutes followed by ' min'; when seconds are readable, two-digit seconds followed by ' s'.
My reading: 11 h 16 min
